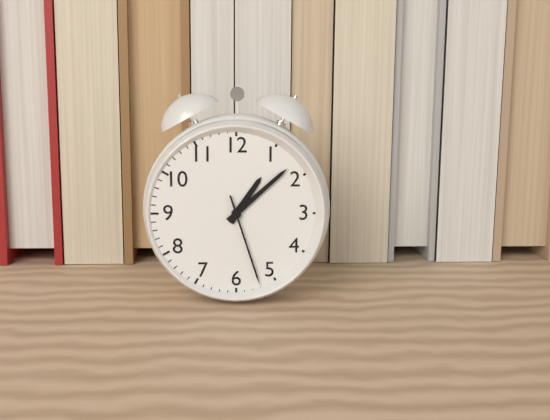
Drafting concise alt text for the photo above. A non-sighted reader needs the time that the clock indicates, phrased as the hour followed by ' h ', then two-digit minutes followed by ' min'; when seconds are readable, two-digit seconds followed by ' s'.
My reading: 1 h 08 min 27 s
